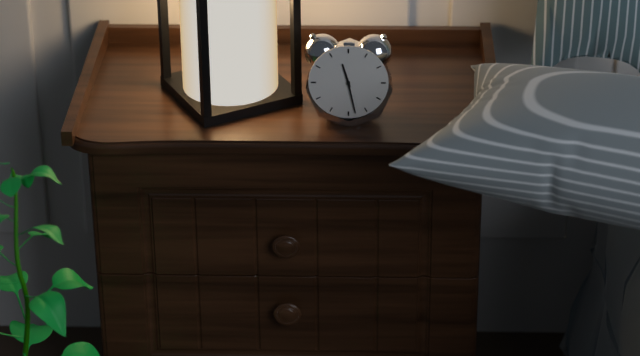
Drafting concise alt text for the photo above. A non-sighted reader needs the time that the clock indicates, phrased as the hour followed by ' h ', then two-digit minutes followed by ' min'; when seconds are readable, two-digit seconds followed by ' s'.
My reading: 11 h 28 min
